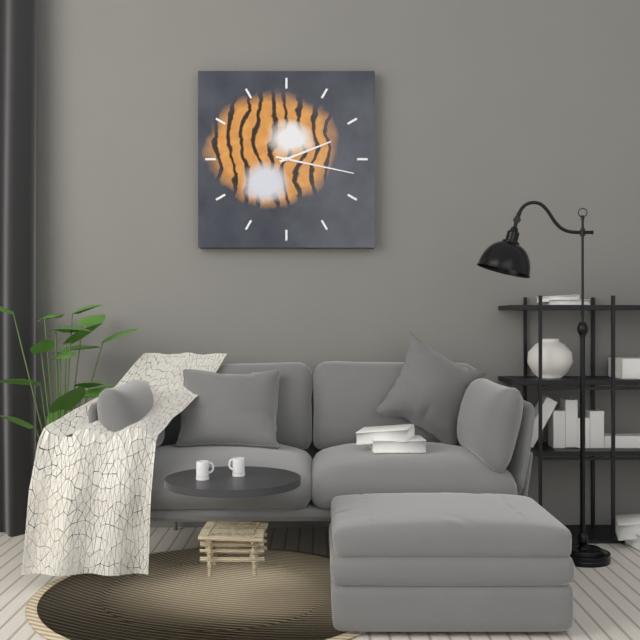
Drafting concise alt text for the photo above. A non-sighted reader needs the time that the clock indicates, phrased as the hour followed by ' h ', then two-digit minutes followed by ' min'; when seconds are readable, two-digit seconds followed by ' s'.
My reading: 2 h 17 min
